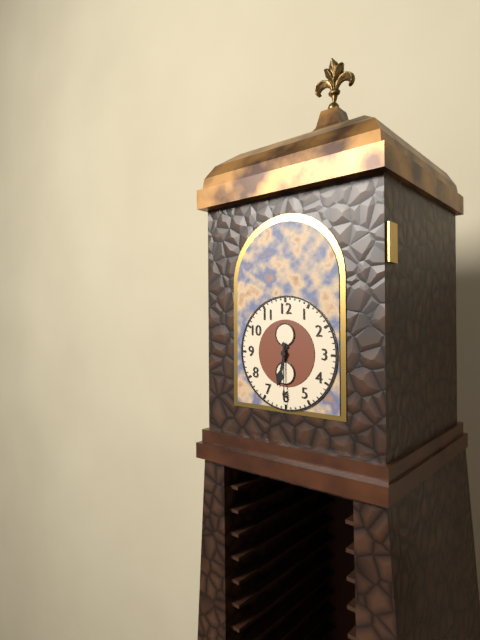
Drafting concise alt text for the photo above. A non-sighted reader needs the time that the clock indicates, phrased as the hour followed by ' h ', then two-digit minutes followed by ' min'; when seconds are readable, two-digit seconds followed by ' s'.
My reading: 6 h 30 min
